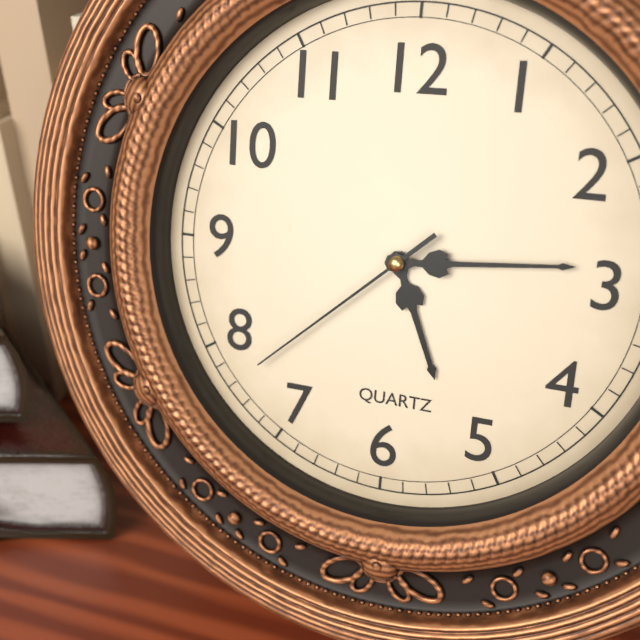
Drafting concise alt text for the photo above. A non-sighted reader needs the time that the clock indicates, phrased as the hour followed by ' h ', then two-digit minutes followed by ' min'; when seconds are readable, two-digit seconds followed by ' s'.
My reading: 5 h 14 min 38 s
